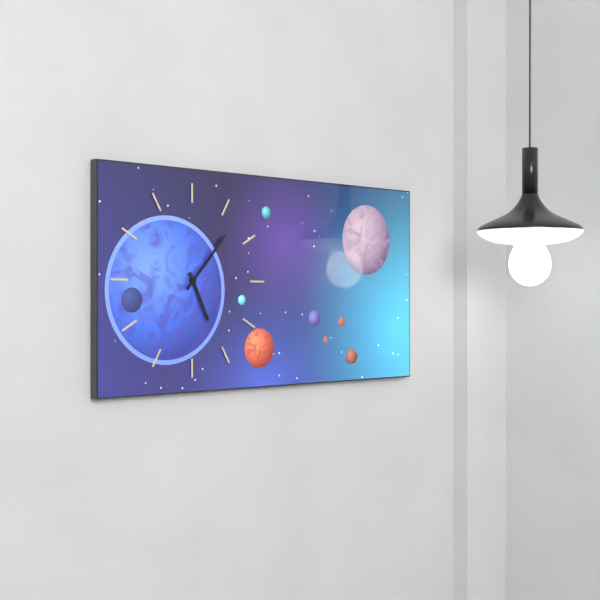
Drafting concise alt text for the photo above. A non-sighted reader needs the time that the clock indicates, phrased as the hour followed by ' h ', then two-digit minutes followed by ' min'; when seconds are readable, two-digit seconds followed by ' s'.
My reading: 5 h 07 min
